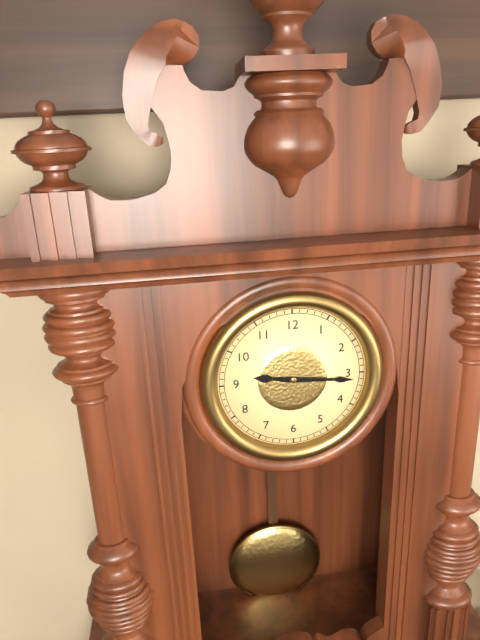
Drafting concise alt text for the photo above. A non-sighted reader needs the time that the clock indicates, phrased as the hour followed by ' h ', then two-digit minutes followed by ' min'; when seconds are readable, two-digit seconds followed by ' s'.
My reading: 9 h 16 min
